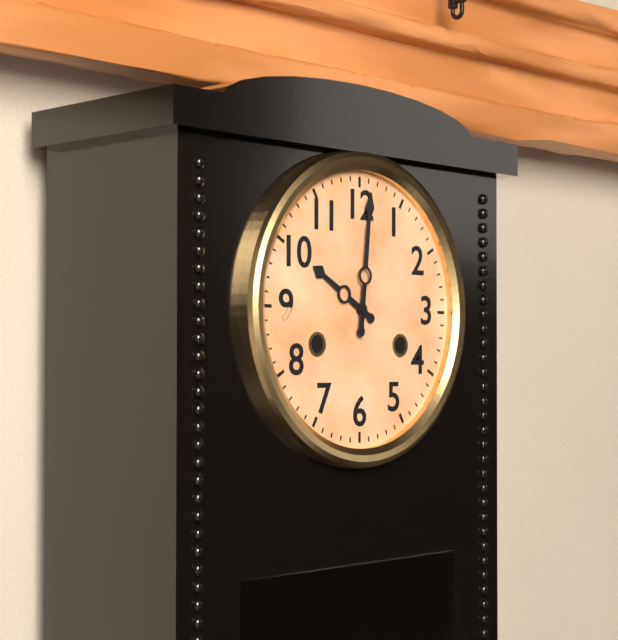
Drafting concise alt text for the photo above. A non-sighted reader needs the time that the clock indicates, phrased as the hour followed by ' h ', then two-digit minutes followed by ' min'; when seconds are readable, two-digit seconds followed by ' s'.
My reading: 10 h 01 min
